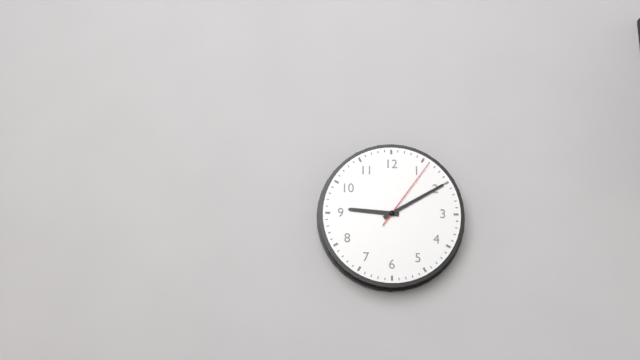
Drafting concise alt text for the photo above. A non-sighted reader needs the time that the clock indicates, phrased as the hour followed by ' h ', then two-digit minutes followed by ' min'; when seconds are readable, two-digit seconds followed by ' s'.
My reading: 9 h 10 min 06 s
